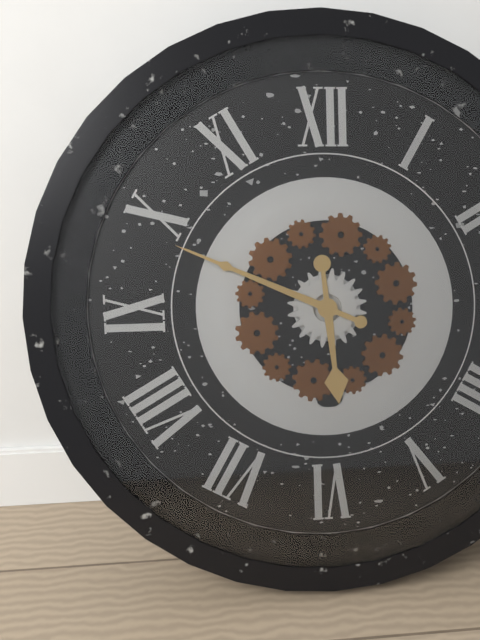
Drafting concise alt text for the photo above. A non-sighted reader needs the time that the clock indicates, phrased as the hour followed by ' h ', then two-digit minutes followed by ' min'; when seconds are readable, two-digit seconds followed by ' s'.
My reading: 5 h 49 min
